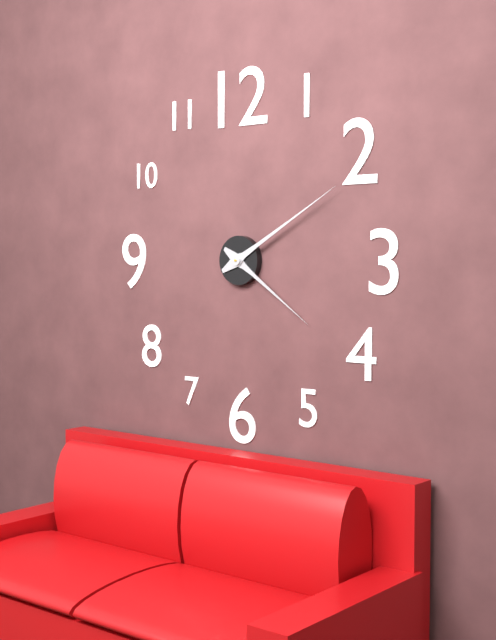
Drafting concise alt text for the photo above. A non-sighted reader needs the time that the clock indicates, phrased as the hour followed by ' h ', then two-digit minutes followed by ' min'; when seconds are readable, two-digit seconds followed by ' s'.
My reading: 4 h 10 min
